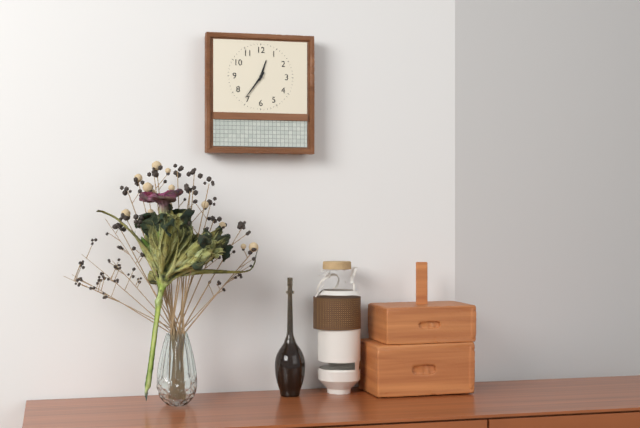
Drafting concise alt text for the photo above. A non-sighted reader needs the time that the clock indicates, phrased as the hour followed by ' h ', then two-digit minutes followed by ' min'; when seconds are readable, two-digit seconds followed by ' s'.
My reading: 12 h 36 min
